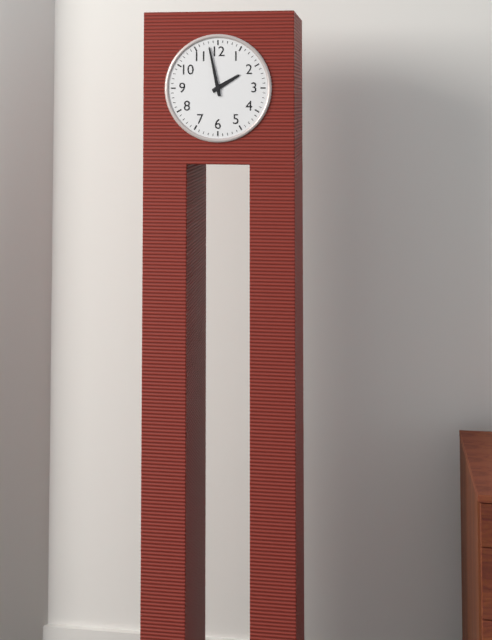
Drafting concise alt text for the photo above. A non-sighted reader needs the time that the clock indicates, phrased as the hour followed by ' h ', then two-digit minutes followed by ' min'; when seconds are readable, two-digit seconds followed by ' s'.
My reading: 1 h 58 min
